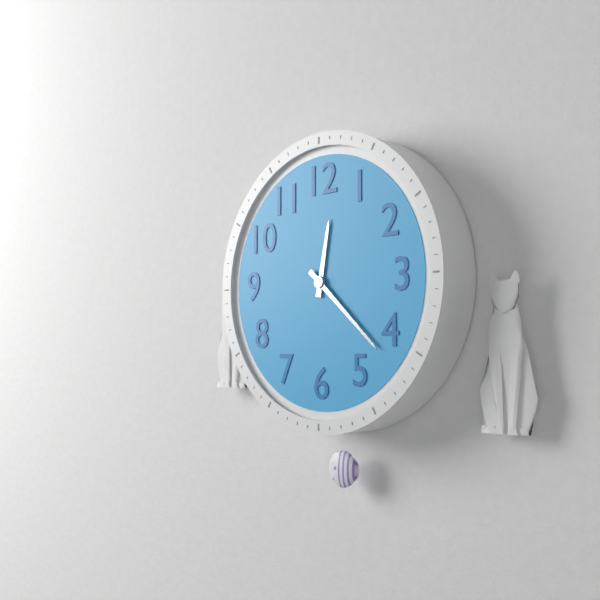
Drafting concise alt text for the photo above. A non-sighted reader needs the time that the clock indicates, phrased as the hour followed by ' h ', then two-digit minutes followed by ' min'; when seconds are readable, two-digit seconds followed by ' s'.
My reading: 12 h 22 min
